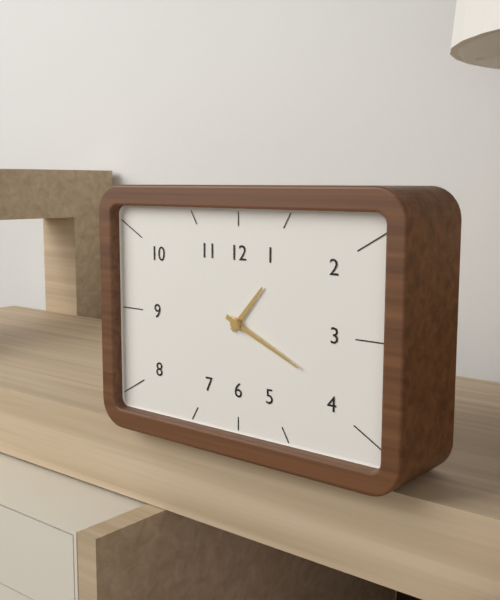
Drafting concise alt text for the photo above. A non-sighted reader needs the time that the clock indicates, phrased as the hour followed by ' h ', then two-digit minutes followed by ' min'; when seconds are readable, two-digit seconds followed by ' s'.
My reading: 1 h 19 min
